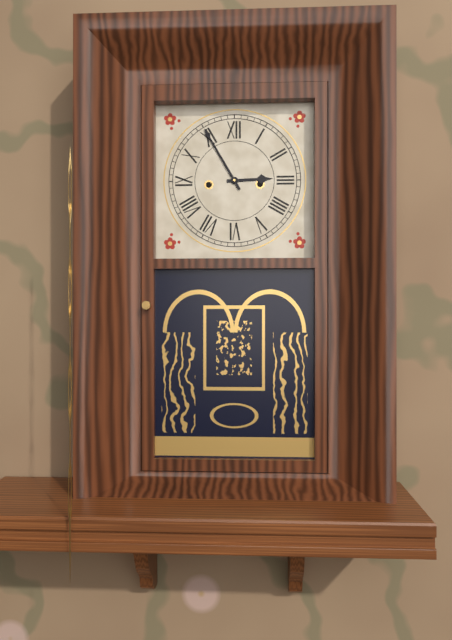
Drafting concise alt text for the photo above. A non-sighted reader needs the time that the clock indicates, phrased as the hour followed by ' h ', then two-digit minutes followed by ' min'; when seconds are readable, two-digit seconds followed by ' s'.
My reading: 2 h 55 min
